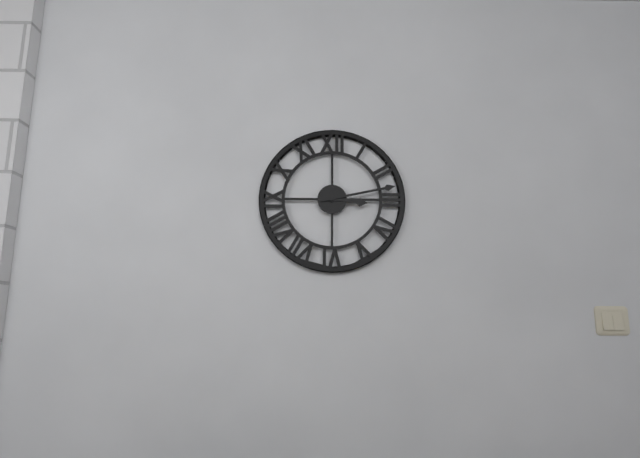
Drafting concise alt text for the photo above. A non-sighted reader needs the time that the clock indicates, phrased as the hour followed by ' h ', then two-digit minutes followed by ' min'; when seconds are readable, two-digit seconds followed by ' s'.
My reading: 3 h 13 min
